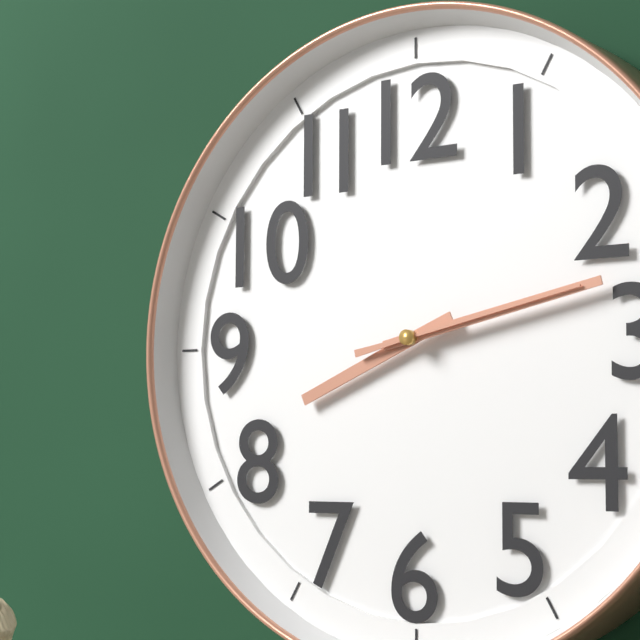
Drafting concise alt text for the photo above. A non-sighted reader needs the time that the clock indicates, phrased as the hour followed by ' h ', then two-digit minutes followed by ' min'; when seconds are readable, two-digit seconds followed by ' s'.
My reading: 8 h 13 min 13 s
